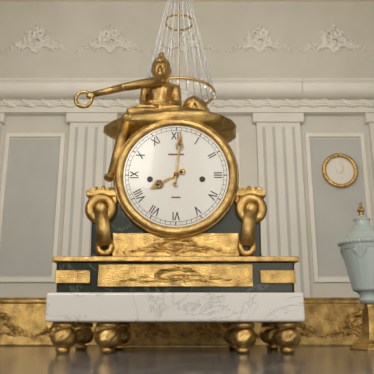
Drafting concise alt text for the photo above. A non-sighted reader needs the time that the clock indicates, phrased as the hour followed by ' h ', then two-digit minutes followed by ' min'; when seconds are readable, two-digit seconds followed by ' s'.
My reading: 8 h 01 min
